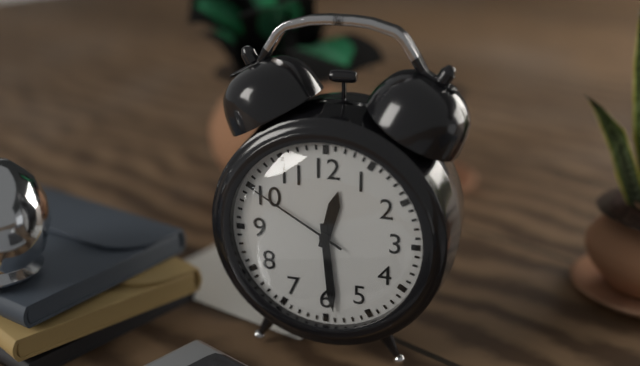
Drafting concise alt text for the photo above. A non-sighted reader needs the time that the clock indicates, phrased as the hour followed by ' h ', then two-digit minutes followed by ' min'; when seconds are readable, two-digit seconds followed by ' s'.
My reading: 12 h 29 min 50 s
